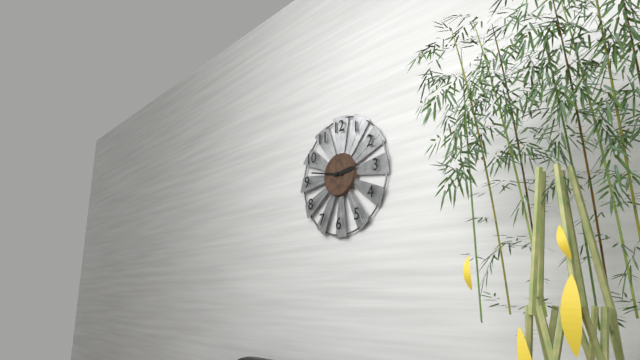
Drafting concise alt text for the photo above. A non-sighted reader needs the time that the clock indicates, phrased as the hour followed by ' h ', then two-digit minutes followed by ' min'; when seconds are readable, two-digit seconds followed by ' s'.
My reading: 2 h 47 min
